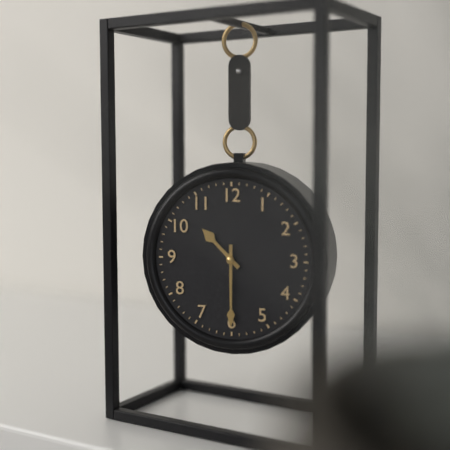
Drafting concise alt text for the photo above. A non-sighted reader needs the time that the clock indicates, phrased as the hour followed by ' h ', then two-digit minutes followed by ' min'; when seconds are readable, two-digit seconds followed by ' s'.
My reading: 10 h 30 min
